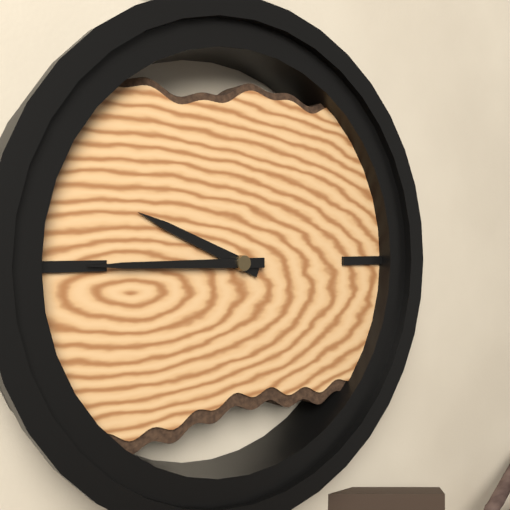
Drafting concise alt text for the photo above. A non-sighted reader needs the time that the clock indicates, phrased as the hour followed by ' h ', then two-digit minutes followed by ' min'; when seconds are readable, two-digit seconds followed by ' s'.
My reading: 9 h 45 min
